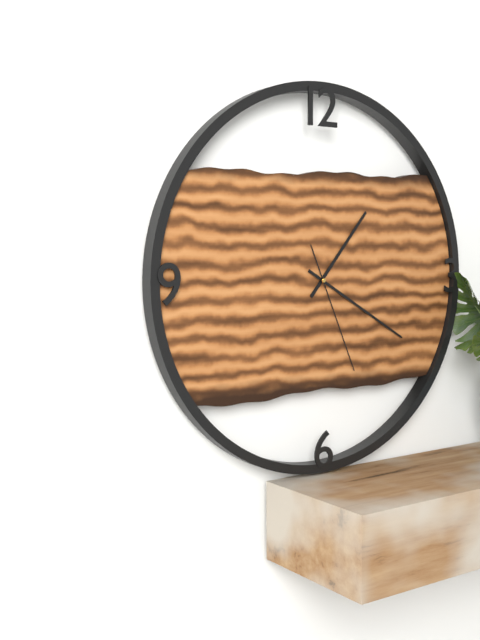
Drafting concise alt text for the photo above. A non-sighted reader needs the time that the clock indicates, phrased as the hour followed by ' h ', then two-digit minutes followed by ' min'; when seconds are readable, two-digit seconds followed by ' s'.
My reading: 1 h 20 min 26 s
